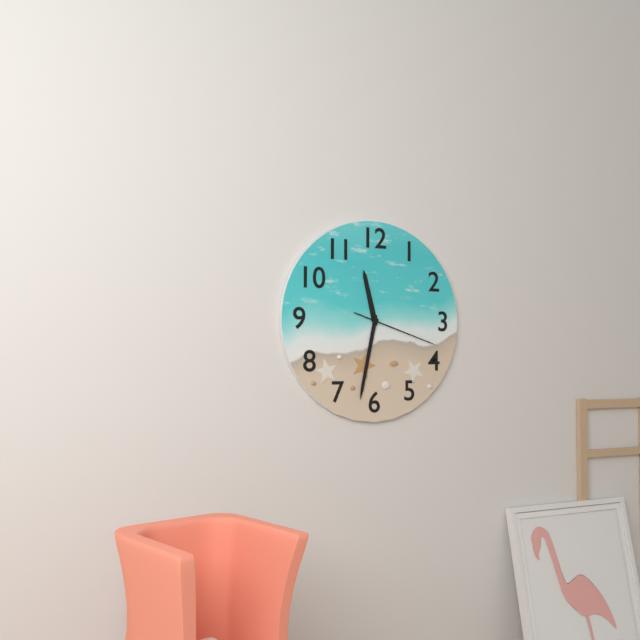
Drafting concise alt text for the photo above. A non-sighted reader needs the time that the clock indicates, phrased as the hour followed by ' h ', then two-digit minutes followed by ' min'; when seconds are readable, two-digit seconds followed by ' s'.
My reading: 11 h 32 min 18 s
